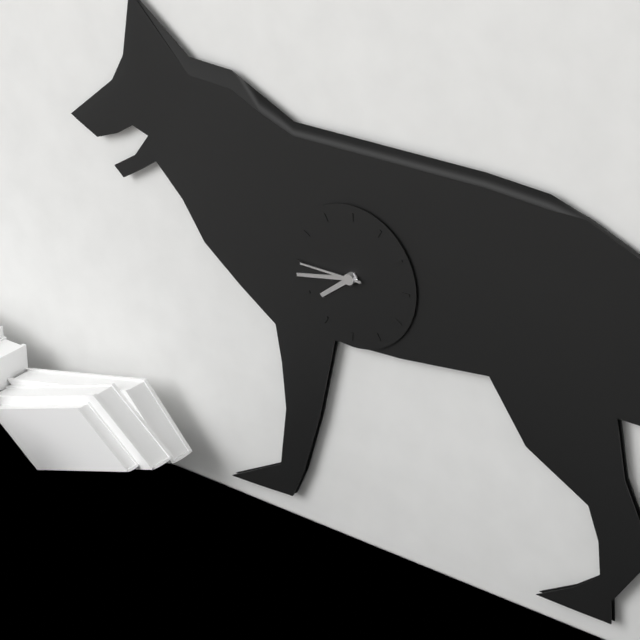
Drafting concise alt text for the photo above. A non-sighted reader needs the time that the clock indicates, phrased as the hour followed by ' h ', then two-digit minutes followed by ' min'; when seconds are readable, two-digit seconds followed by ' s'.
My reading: 7 h 43 min 45 s
